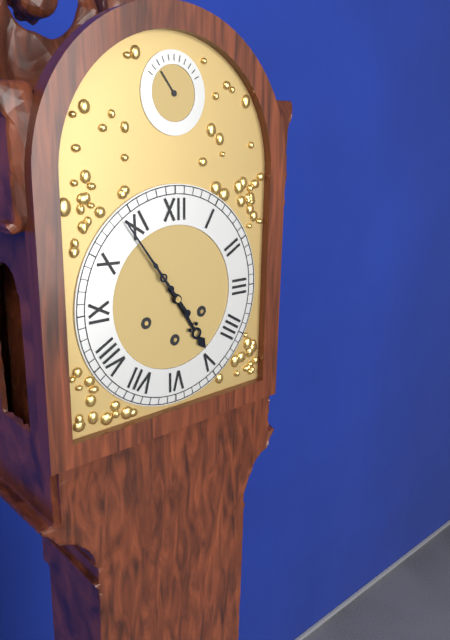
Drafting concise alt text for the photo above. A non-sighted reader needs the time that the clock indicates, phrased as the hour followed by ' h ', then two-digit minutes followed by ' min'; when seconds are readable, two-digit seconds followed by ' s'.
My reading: 4 h 54 min
